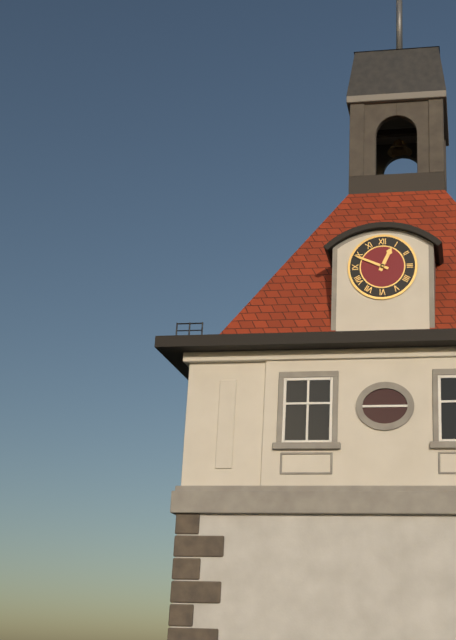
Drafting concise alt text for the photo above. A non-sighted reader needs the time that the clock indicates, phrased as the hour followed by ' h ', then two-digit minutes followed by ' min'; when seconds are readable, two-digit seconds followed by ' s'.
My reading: 12 h 49 min
